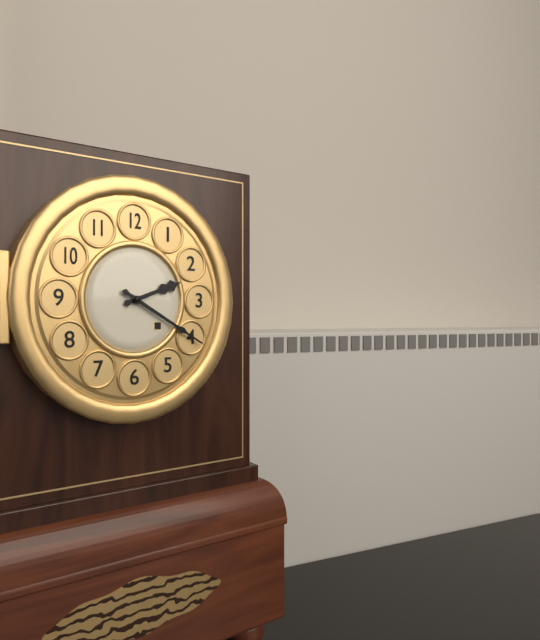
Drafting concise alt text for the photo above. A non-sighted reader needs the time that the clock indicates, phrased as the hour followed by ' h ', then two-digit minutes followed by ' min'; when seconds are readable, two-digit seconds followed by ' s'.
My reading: 2 h 20 min
